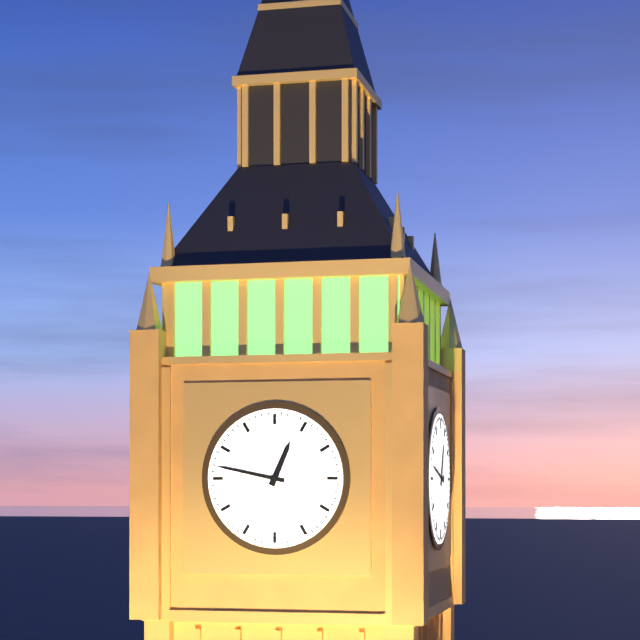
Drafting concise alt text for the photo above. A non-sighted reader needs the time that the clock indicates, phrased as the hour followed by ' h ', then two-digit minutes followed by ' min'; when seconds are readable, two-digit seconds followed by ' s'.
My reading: 12 h 47 min
